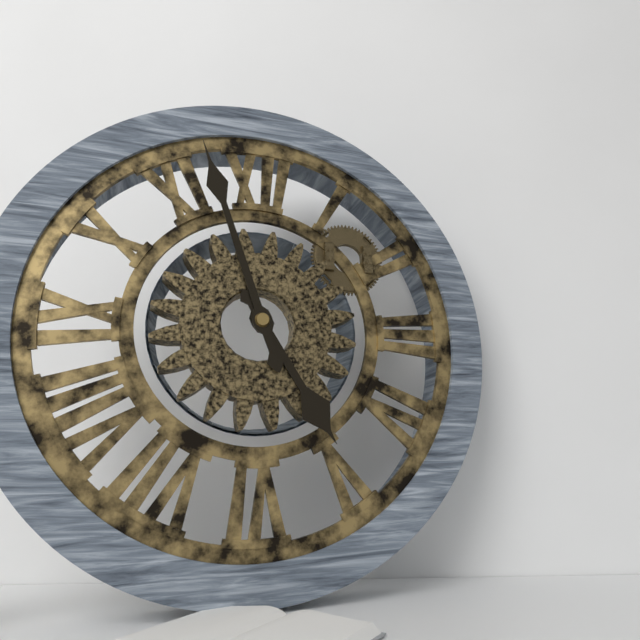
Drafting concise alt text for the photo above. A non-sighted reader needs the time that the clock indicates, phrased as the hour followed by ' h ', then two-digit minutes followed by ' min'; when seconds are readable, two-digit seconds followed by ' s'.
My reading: 4 h 57 min
